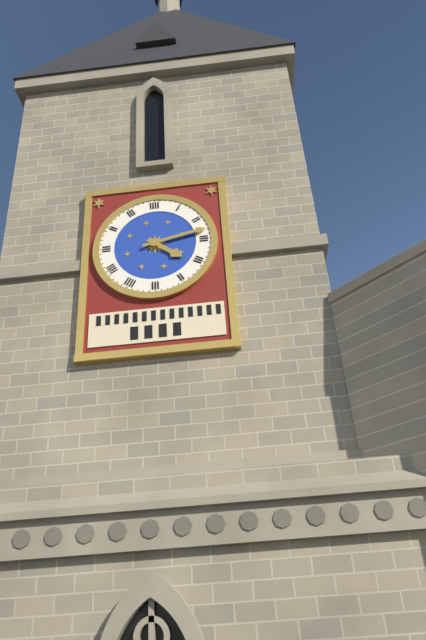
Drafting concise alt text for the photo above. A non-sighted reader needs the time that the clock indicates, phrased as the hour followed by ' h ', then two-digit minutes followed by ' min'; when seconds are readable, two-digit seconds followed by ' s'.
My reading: 4 h 13 min
